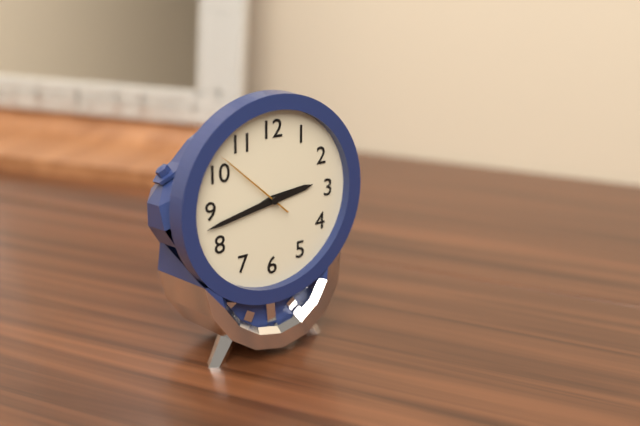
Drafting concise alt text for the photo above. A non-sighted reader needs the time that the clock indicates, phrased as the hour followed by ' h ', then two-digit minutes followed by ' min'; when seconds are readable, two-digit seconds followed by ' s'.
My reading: 2 h 43 min 52 s
